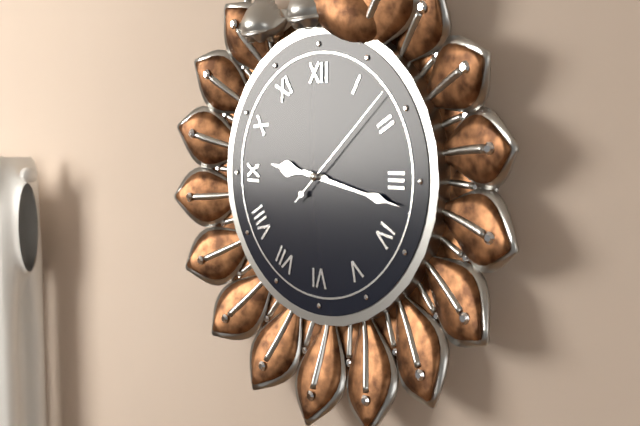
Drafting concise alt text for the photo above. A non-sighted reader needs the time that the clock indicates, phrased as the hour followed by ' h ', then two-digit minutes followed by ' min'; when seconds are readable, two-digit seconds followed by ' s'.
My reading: 9 h 17 min 08 s
